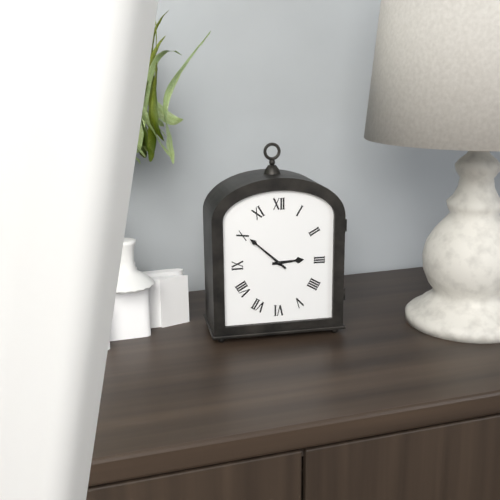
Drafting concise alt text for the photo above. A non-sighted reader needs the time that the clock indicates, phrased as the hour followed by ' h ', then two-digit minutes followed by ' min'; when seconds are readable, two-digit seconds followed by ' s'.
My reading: 2 h 52 min
